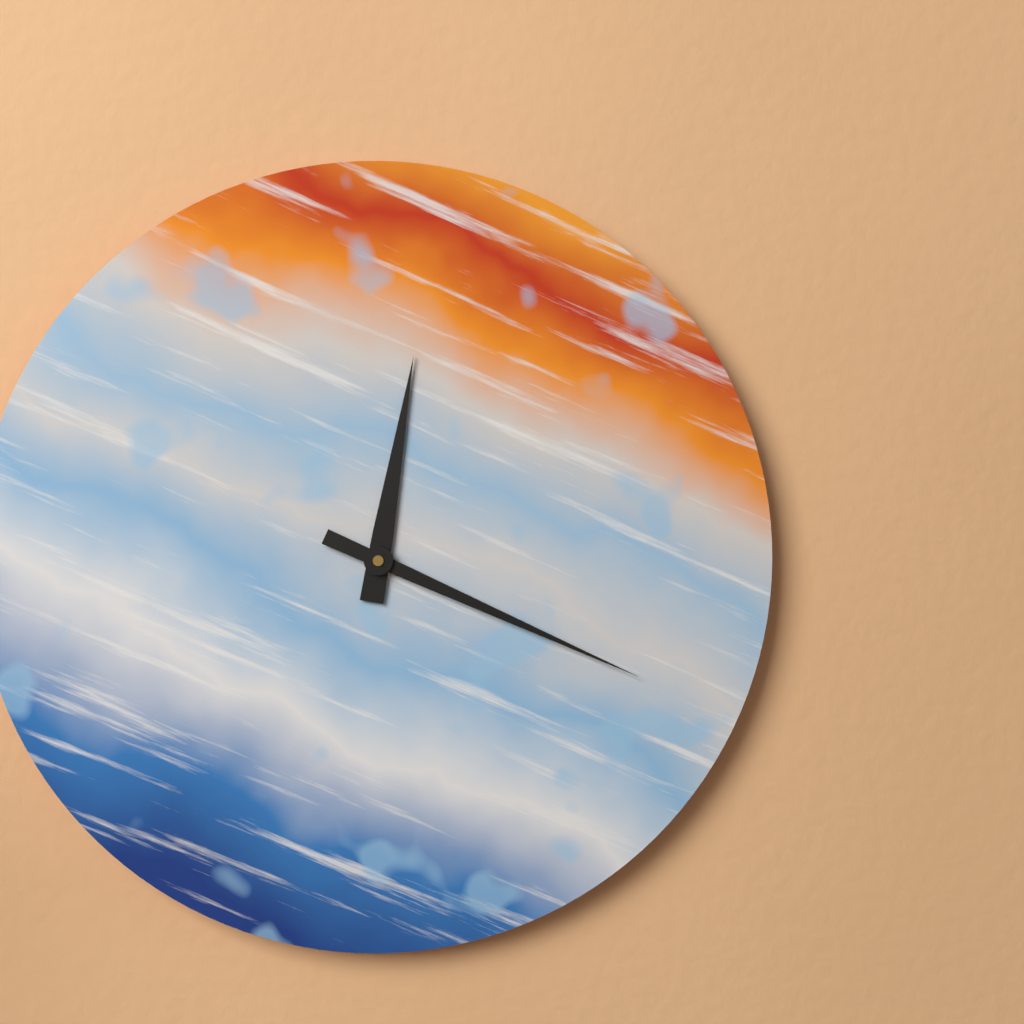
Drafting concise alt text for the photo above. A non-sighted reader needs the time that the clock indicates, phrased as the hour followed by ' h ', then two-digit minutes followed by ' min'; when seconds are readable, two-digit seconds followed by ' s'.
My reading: 12 h 19 min
